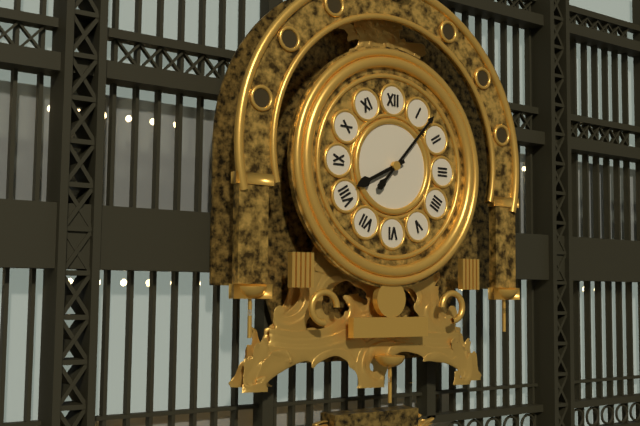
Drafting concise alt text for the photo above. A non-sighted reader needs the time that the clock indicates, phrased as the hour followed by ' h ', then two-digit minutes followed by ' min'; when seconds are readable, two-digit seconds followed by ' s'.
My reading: 8 h 07 min
